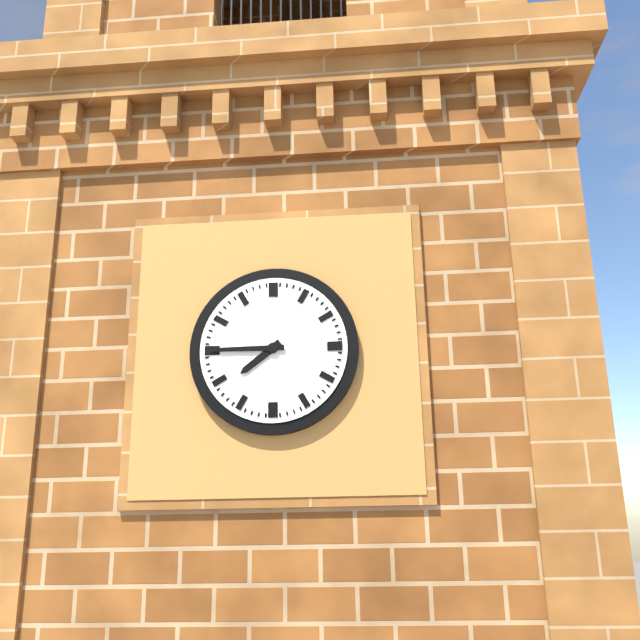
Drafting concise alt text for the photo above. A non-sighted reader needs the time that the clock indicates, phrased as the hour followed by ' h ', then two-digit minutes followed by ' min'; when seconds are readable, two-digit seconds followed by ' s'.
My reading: 7 h 45 min
